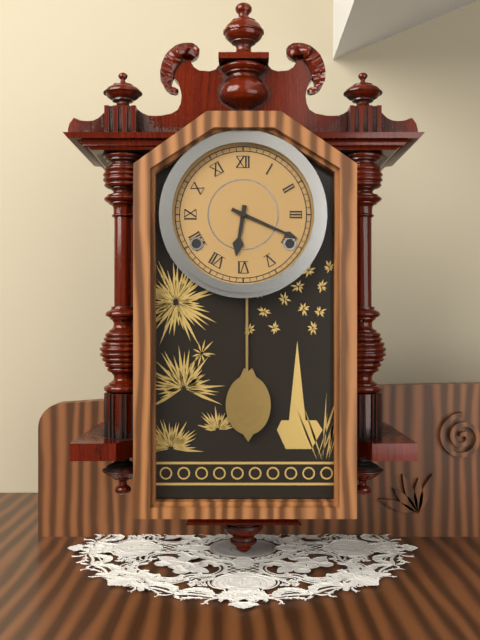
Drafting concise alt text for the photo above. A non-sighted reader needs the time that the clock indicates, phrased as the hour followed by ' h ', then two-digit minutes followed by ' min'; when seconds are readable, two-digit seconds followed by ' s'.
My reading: 6 h 19 min
